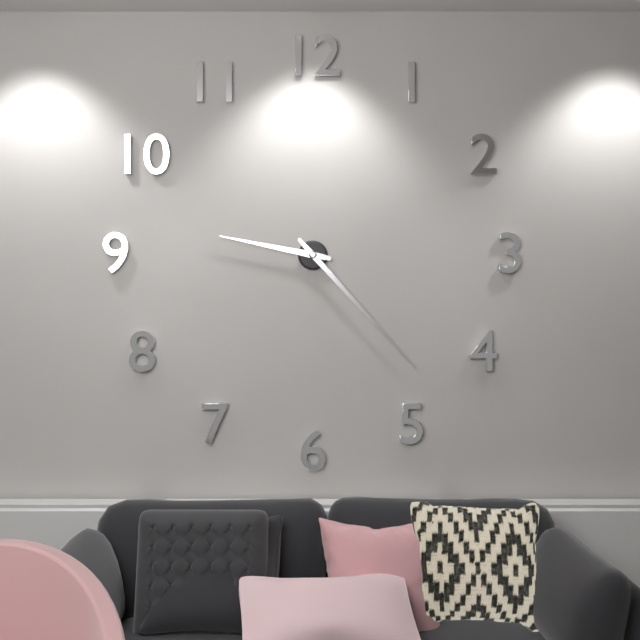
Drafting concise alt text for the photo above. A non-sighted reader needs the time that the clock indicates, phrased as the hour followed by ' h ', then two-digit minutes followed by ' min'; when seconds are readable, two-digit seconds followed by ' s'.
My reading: 9 h 23 min
